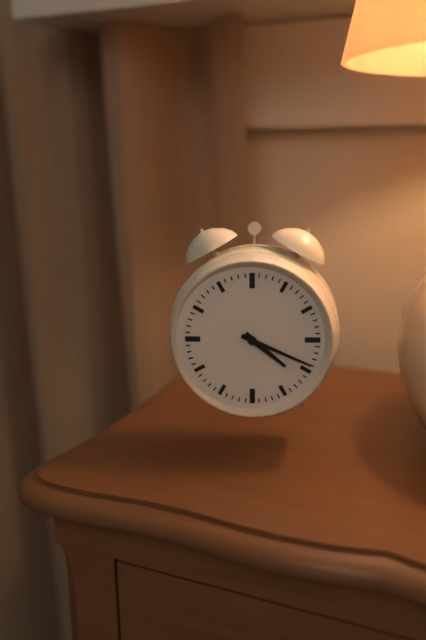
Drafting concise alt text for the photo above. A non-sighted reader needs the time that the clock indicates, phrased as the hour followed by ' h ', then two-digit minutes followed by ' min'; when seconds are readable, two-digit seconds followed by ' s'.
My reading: 4 h 19 min
